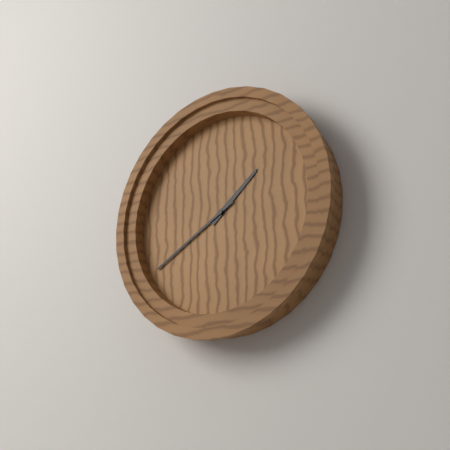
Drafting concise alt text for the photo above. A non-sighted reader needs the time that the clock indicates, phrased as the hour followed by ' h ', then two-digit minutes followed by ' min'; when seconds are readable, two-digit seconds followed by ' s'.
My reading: 1 h 40 min
